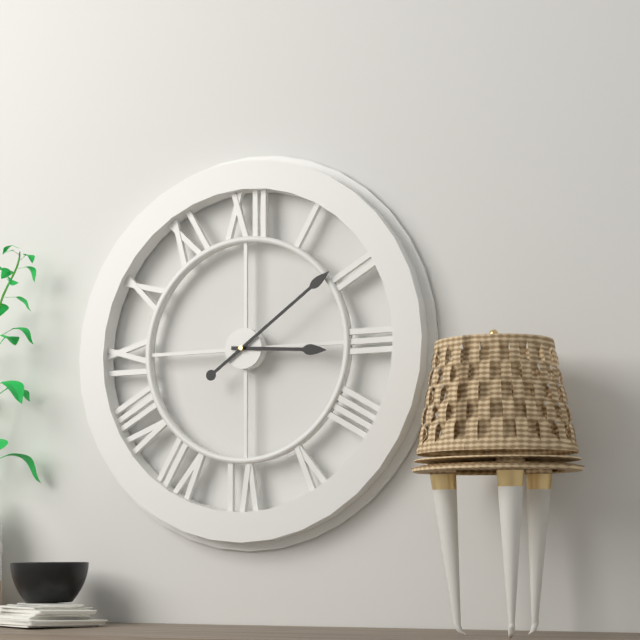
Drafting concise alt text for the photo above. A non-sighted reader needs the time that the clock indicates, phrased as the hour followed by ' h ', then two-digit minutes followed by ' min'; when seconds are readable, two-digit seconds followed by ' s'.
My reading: 3 h 09 min
